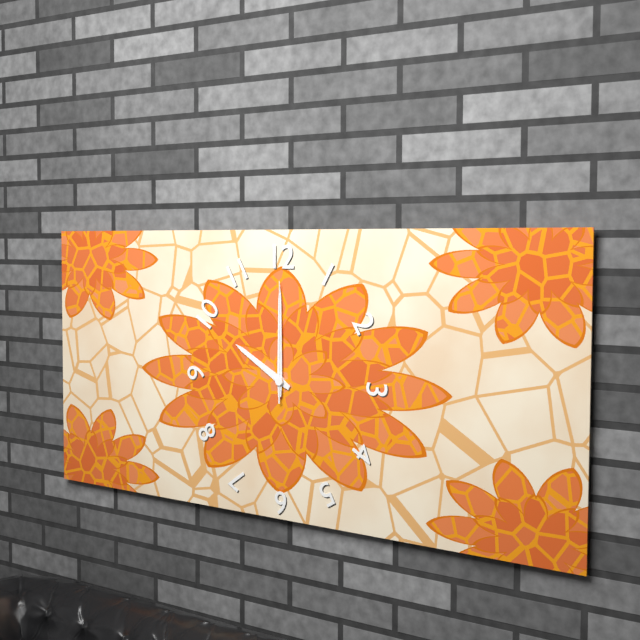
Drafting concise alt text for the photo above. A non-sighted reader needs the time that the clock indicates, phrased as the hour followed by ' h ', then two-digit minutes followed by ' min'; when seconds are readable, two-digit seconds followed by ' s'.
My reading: 10 h 00 min 00 s
